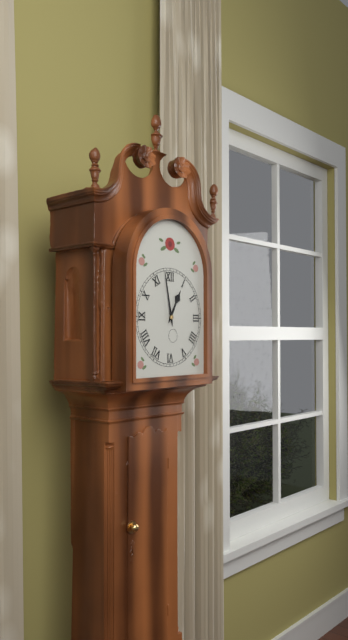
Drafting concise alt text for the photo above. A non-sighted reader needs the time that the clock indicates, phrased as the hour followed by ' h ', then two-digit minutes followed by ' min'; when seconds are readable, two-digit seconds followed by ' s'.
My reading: 12 h 58 min
